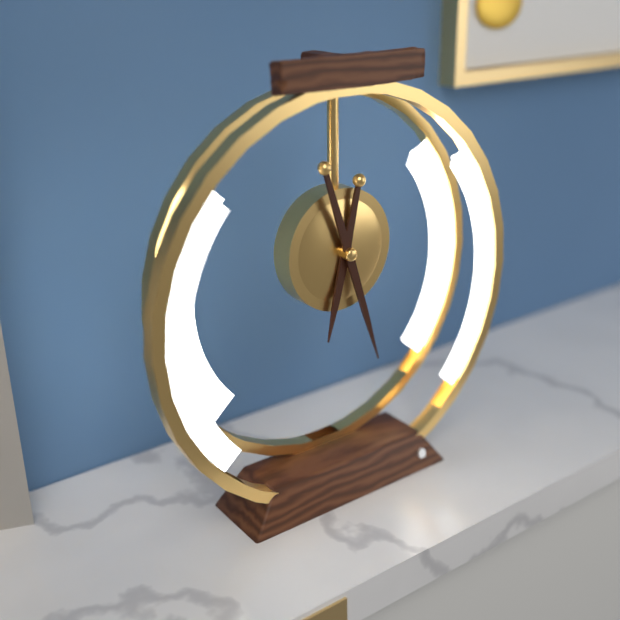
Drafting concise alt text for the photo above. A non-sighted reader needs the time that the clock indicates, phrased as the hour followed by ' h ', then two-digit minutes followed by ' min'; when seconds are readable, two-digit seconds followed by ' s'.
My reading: 6 h 27 min
